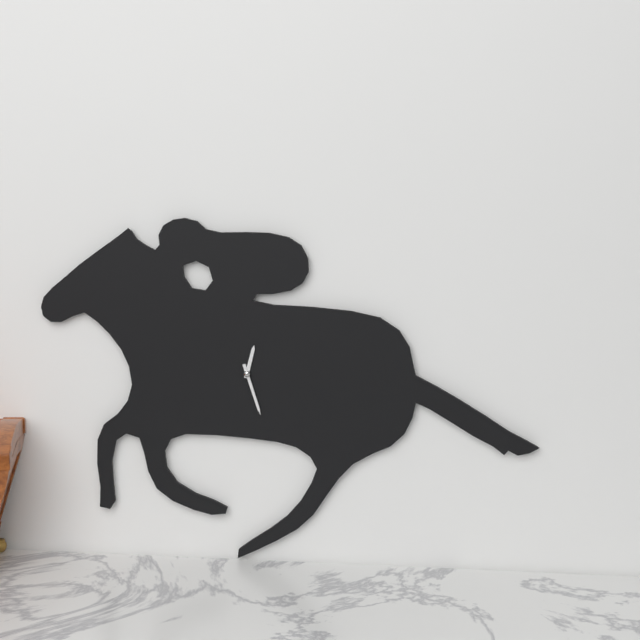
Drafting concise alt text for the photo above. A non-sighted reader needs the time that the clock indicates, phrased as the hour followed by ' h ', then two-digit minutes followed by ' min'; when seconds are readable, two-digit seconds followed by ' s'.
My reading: 12 h 27 min
